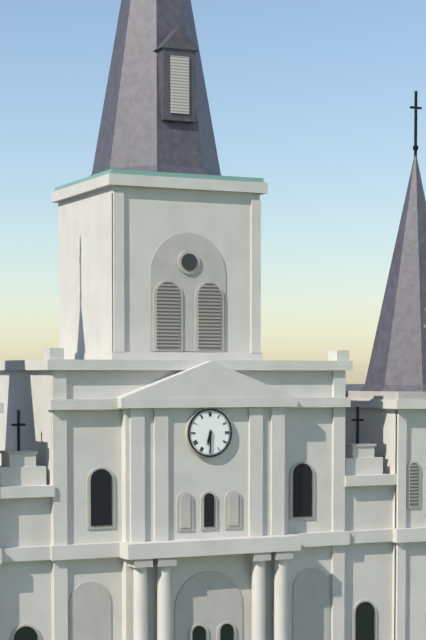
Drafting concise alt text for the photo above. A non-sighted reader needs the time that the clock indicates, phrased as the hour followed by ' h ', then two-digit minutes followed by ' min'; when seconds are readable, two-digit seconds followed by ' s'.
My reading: 6 h 30 min
